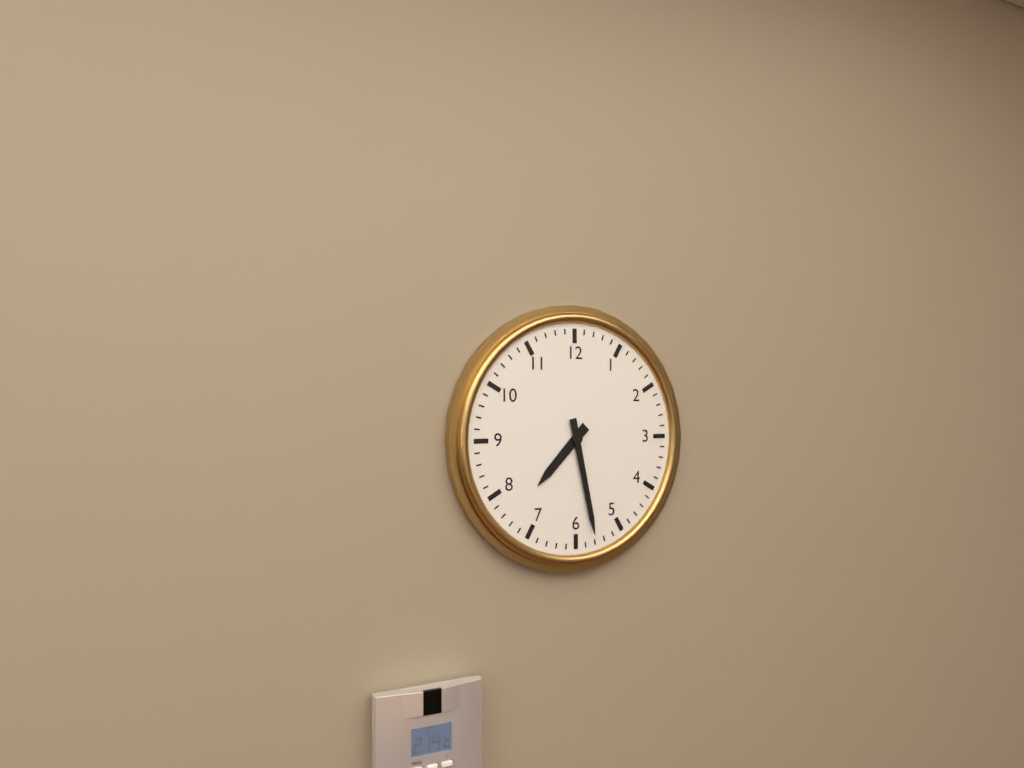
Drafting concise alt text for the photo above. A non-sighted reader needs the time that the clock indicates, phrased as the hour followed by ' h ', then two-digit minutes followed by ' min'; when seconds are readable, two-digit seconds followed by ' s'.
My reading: 7 h 28 min
